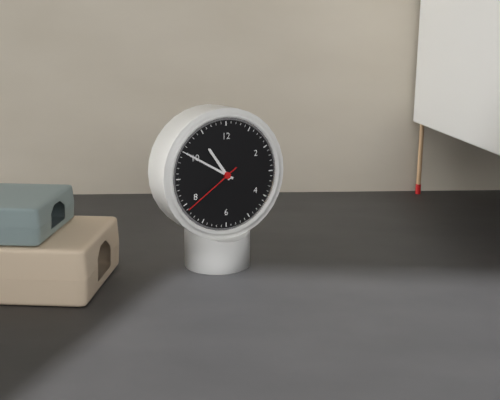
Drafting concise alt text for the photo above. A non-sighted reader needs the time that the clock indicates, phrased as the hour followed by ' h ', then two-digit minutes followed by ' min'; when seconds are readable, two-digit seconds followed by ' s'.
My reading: 10 h 50 min 39 s
